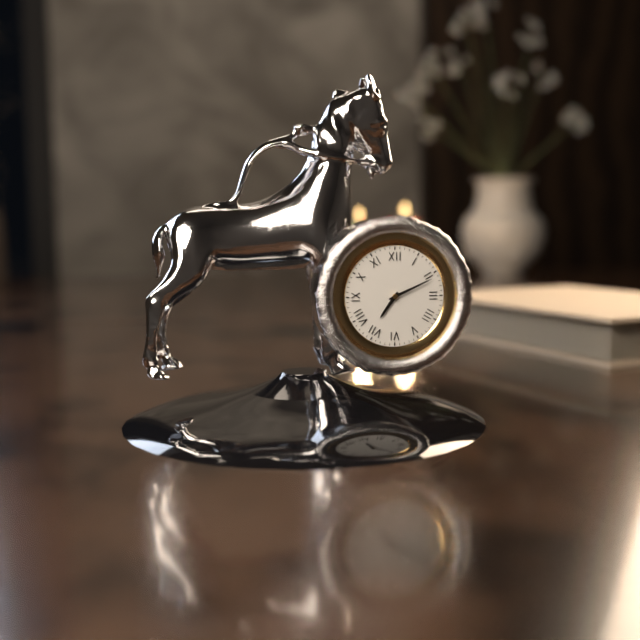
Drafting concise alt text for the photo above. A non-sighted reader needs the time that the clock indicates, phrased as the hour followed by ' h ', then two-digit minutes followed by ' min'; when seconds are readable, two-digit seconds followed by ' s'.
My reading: 7 h 11 min
